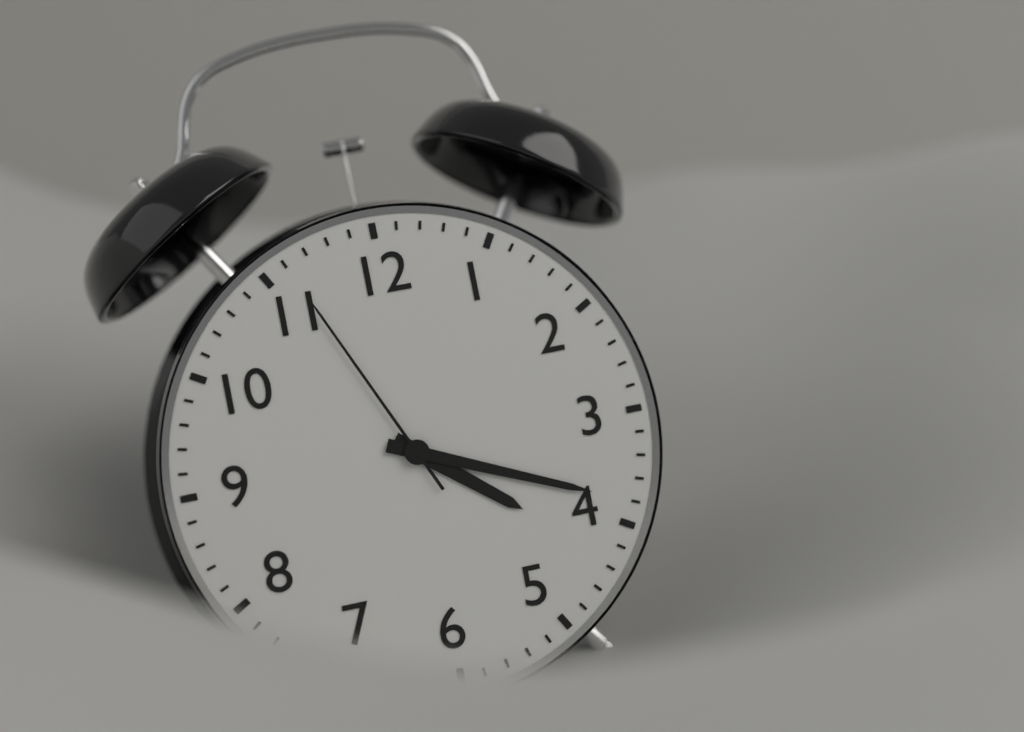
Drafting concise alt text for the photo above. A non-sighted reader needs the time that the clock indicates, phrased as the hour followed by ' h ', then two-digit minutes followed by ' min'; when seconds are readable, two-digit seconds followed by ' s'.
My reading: 4 h 19 min 56 s
